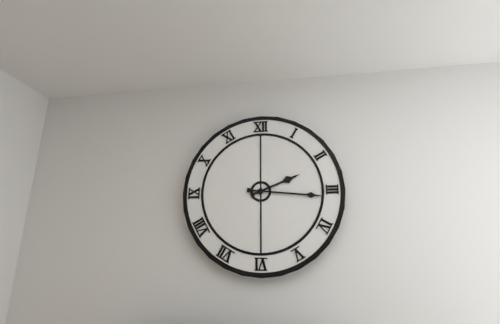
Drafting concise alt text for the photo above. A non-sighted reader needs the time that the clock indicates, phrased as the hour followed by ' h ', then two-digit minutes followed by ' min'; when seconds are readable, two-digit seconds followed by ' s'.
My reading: 2 h 16 min
